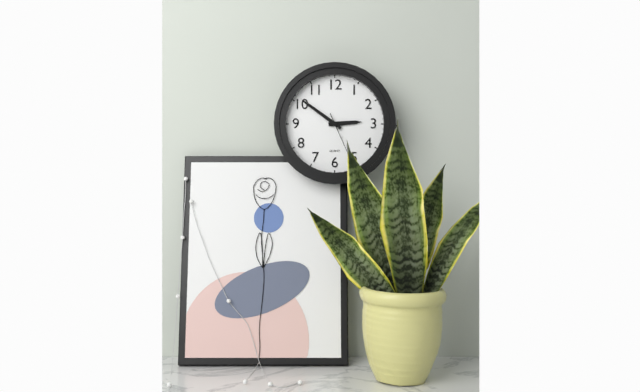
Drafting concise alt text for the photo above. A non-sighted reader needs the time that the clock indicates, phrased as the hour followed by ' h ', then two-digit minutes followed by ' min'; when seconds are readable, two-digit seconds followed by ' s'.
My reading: 2 h 51 min 26 s
